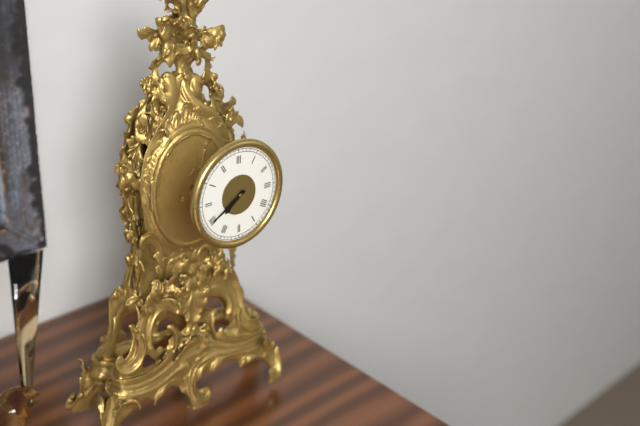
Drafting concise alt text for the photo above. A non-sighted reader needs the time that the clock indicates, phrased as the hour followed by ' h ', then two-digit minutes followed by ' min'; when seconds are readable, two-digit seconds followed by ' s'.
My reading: 7 h 40 min
